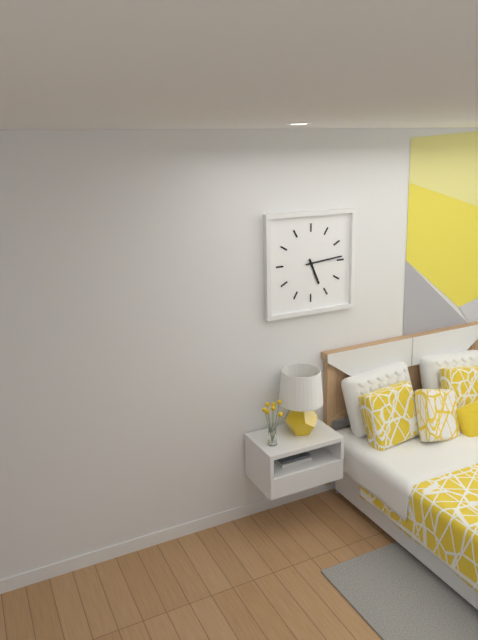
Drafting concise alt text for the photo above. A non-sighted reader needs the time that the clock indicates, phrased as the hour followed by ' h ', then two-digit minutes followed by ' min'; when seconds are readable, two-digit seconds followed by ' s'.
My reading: 5 h 14 min
